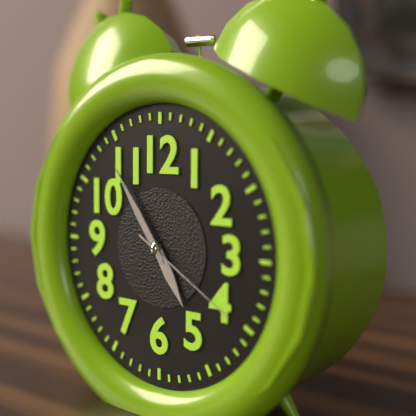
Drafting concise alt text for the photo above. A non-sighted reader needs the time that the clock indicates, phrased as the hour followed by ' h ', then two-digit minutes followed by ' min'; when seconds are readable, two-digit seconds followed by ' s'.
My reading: 4 h 54 min 20 s
